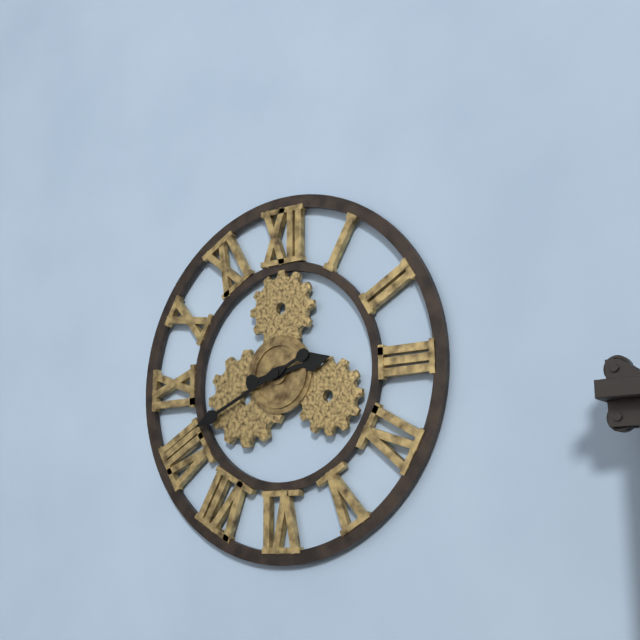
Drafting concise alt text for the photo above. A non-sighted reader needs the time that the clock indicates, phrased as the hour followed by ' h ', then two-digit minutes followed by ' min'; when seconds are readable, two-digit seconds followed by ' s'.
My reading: 2 h 41 min
